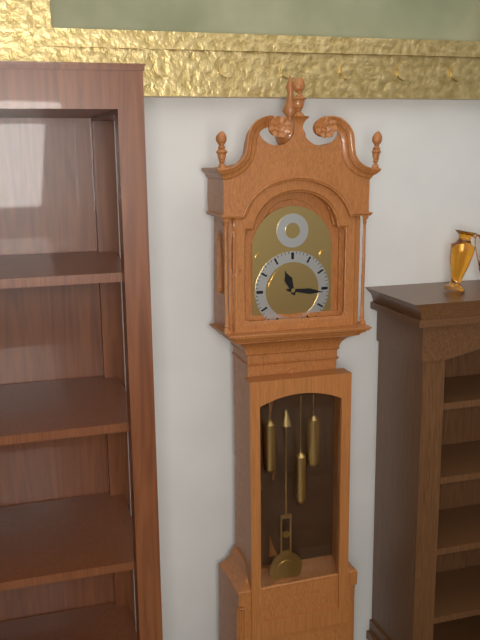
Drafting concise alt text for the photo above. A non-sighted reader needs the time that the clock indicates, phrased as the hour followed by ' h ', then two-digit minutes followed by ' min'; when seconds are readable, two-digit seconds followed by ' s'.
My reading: 11 h 16 min
